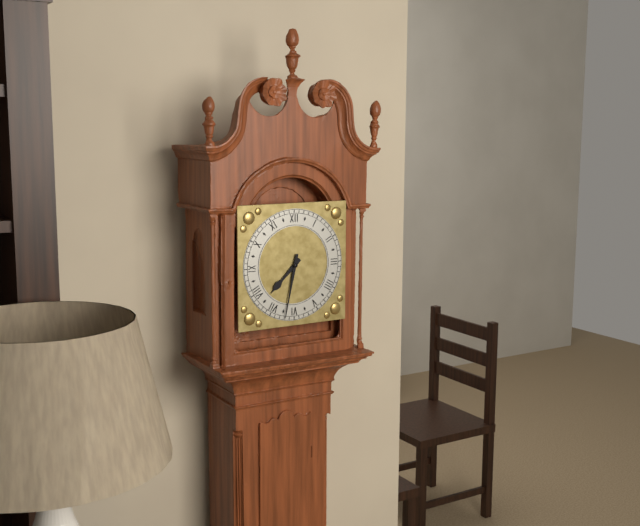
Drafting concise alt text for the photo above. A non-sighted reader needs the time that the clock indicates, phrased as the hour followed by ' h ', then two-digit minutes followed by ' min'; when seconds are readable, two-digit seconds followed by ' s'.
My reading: 7 h 32 min
